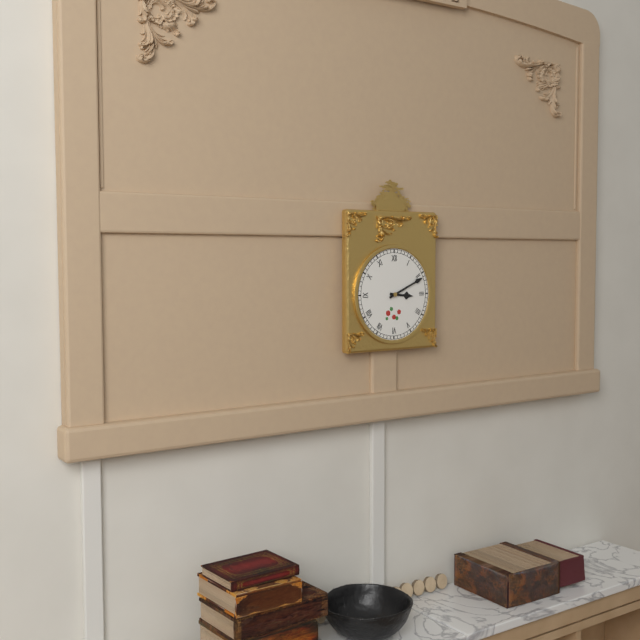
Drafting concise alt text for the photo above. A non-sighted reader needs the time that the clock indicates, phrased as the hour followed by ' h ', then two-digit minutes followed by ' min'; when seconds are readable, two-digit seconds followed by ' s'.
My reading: 3 h 11 min
